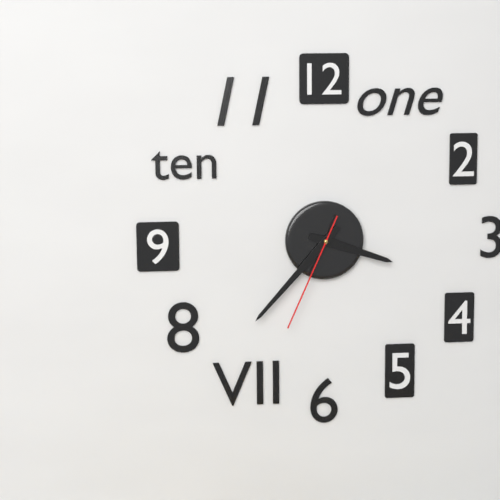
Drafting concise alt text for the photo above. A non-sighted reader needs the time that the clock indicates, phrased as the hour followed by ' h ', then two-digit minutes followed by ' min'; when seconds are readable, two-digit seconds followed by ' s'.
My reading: 3 h 37 min 34 s
